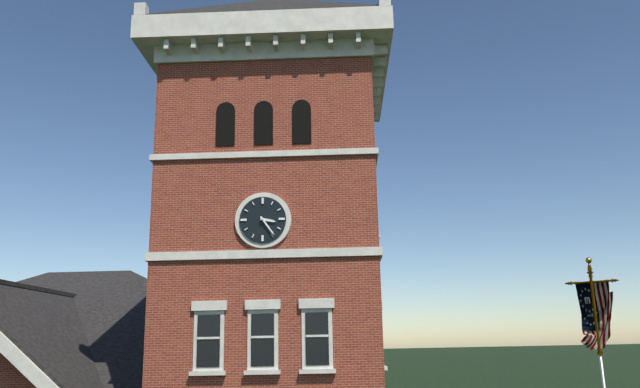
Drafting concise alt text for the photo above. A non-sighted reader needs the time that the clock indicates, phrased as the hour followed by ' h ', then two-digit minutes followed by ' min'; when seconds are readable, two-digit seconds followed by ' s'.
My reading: 3 h 24 min
